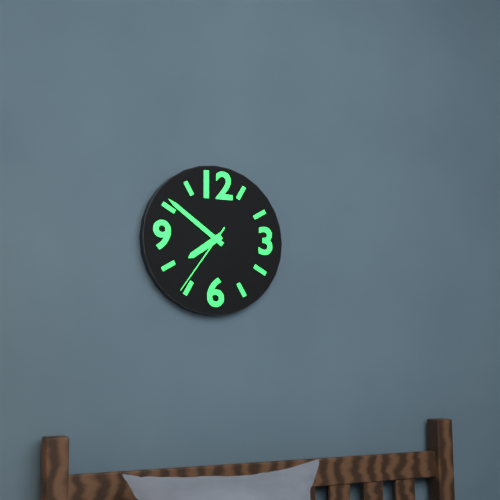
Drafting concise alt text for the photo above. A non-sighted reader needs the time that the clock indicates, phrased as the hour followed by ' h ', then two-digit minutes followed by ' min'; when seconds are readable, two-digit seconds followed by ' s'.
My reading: 7 h 51 min 36 s
